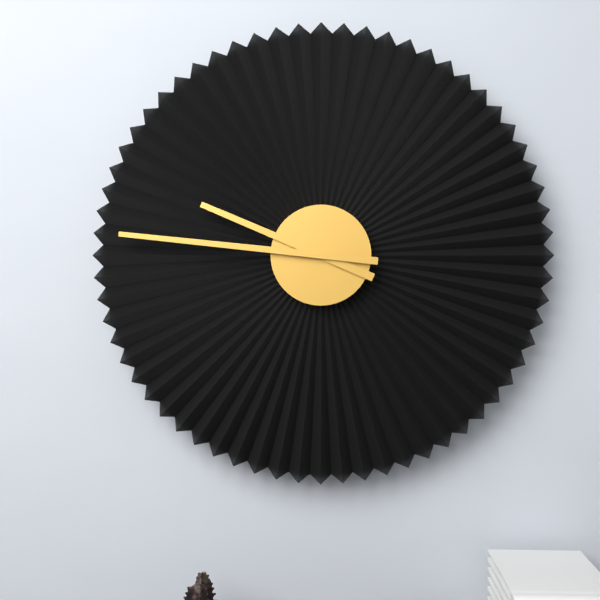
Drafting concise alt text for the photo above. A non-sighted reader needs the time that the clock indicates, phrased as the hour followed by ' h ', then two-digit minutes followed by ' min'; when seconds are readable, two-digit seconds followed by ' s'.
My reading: 9 h 46 min
